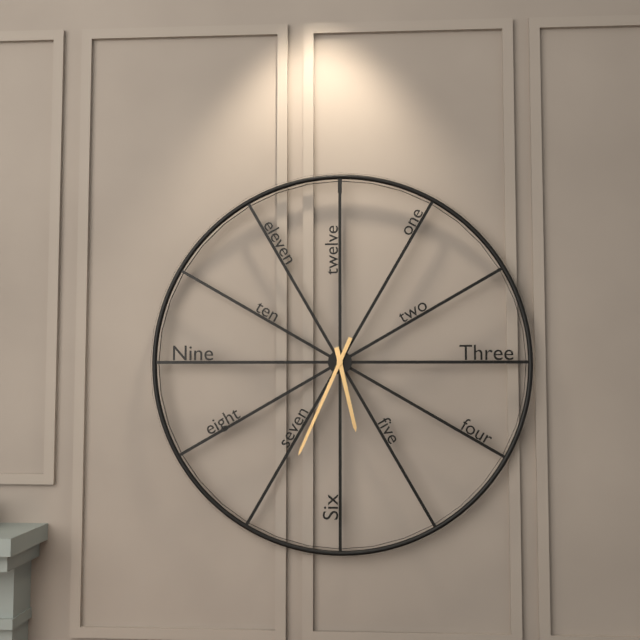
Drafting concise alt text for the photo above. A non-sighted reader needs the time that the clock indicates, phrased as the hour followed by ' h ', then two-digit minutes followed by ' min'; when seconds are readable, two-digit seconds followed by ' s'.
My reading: 5 h 34 min
